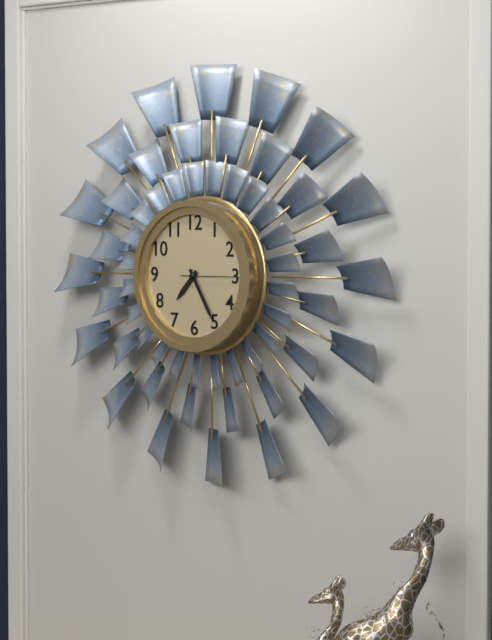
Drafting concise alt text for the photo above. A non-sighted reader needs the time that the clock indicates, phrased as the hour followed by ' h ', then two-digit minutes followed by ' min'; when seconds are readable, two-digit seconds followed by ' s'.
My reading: 7 h 25 min 15 s
